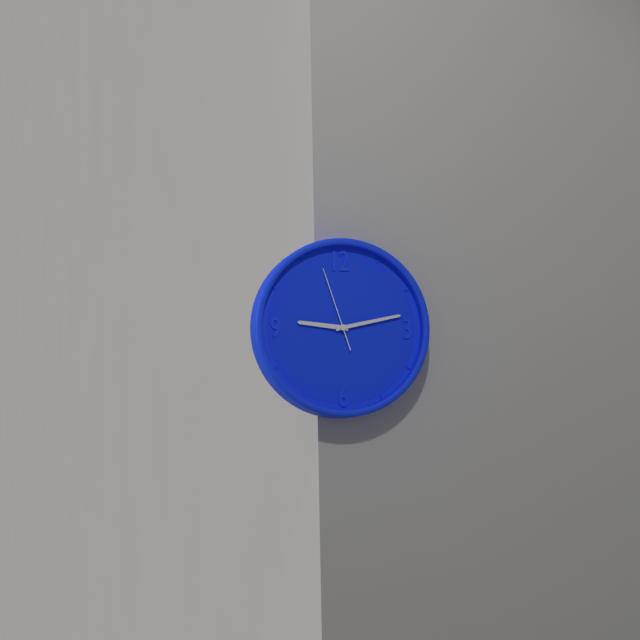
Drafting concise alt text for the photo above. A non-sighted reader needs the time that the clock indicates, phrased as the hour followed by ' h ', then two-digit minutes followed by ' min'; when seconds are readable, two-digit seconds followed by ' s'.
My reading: 9 h 13 min 57 s
